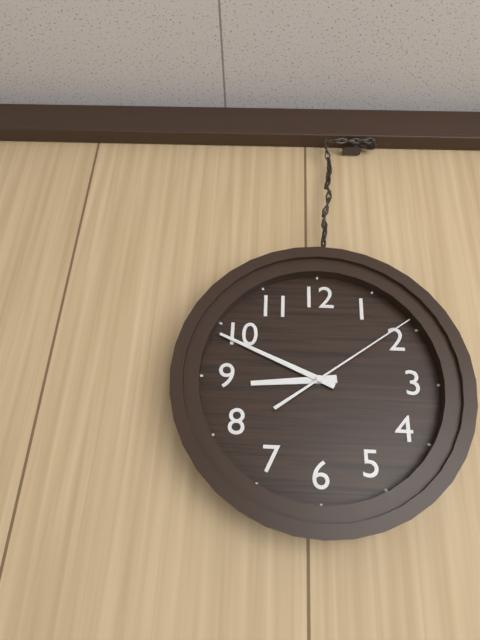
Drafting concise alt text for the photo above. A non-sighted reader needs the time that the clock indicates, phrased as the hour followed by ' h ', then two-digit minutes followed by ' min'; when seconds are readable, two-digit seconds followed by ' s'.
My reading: 8 h 49 min 09 s
